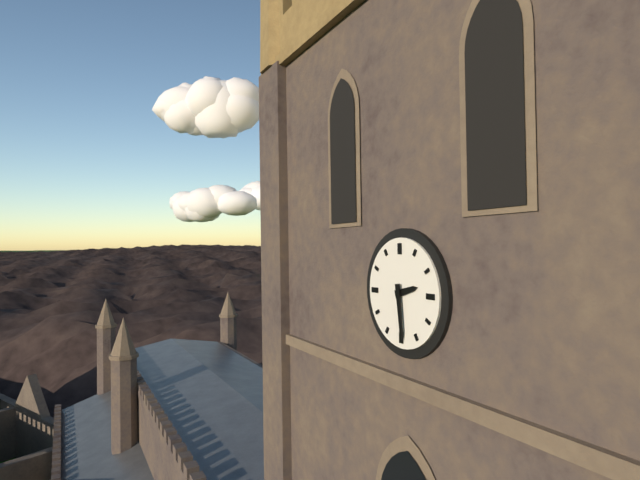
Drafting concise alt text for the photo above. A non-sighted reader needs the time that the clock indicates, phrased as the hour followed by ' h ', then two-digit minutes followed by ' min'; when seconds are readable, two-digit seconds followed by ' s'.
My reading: 2 h 29 min
